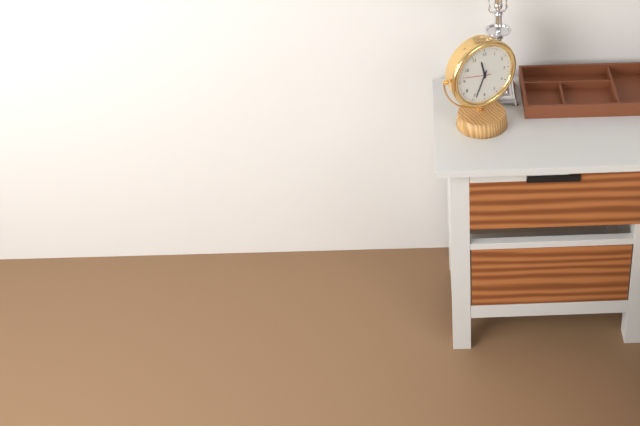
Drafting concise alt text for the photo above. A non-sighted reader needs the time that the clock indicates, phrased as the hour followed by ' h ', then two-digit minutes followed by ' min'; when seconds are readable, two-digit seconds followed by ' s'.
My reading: 11 h 34 min
